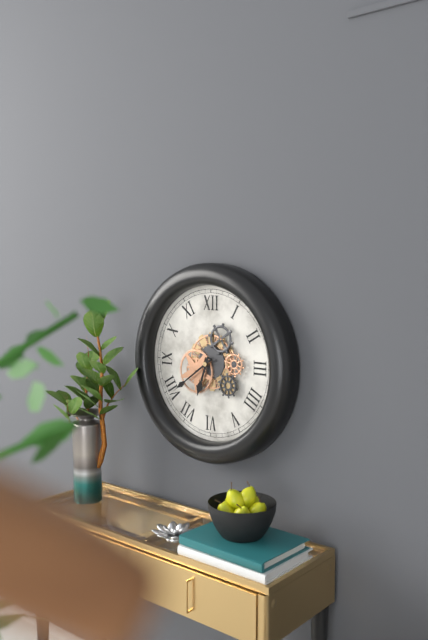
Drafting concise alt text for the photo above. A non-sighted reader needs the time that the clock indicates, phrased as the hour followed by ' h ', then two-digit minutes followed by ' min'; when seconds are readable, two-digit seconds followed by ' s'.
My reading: 6 h 39 min
